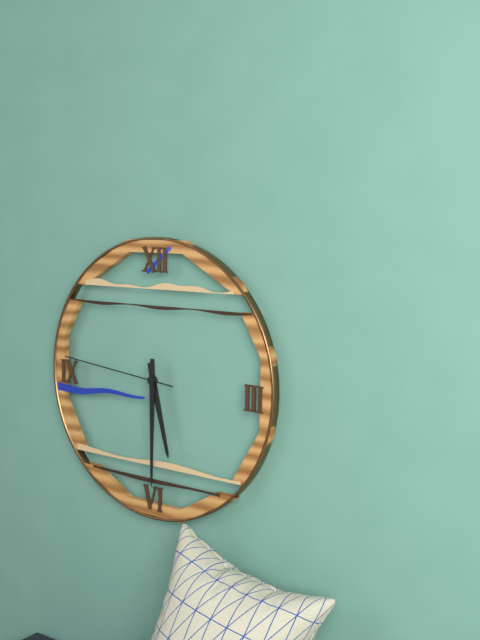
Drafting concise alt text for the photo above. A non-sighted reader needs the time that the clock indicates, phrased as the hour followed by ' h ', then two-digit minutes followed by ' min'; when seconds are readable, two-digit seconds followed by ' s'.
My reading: 5 h 30 min 46 s
